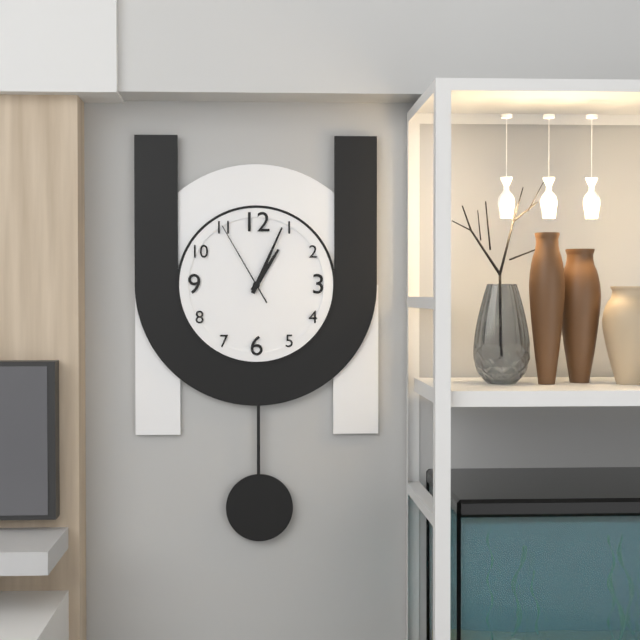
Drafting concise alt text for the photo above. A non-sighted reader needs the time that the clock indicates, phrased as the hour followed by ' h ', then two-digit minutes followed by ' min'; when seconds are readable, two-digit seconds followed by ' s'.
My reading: 1 h 04 min 55 s
